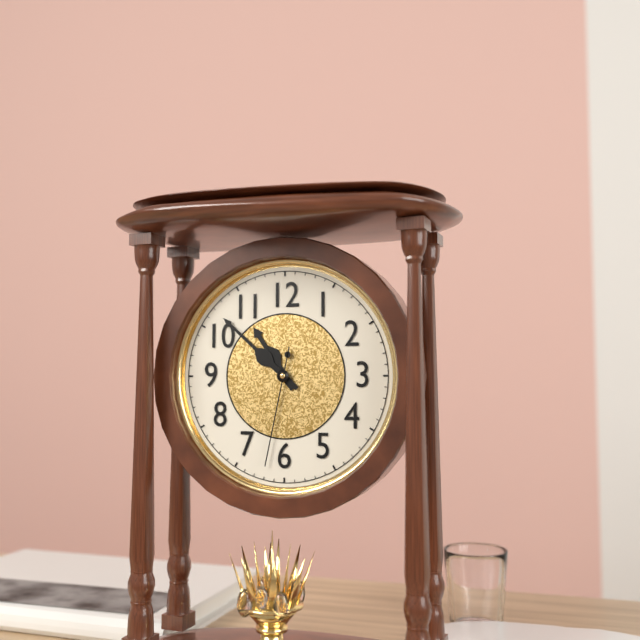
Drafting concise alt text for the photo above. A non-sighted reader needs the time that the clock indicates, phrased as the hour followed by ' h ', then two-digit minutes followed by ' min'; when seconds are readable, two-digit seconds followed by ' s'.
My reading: 10 h 52 min 32 s
